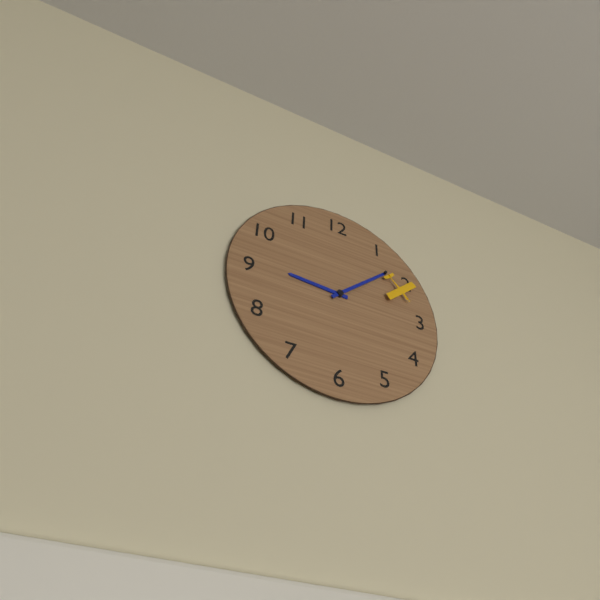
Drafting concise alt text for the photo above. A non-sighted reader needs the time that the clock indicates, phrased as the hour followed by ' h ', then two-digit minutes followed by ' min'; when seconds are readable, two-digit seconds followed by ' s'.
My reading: 9 h 08 min
